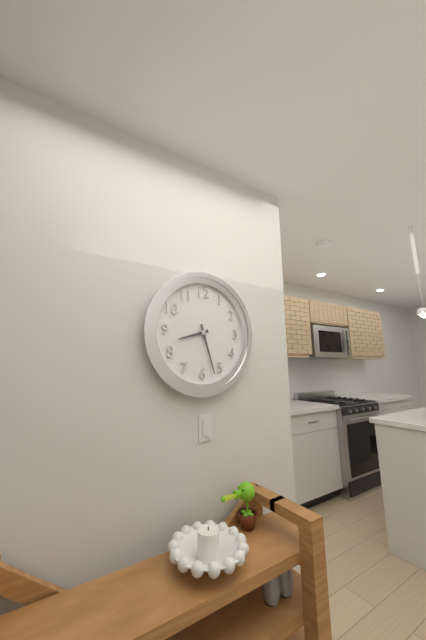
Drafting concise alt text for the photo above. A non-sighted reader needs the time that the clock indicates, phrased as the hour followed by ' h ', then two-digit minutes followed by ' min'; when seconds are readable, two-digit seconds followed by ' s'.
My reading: 8 h 27 min
